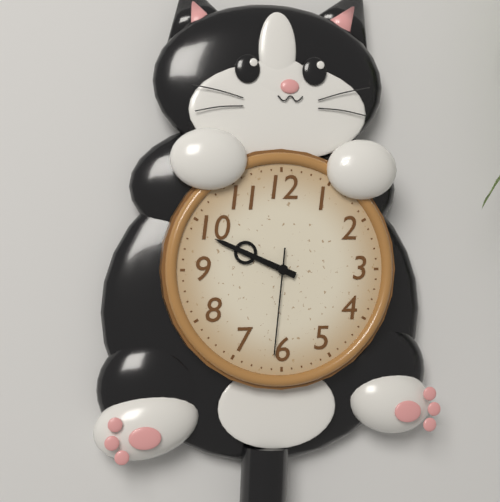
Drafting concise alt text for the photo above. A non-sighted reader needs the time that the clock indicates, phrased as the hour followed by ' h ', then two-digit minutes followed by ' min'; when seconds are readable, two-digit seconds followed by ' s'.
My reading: 9 h 49 min 31 s
